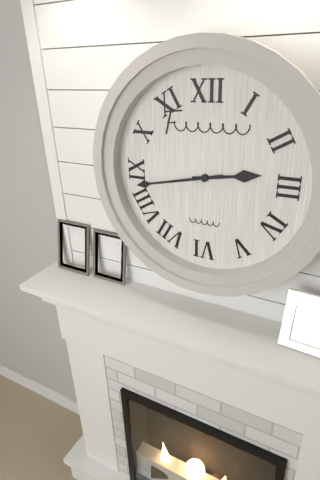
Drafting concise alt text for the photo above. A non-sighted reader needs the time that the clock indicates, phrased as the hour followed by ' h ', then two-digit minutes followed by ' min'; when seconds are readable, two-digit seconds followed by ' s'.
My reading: 2 h 43 min
